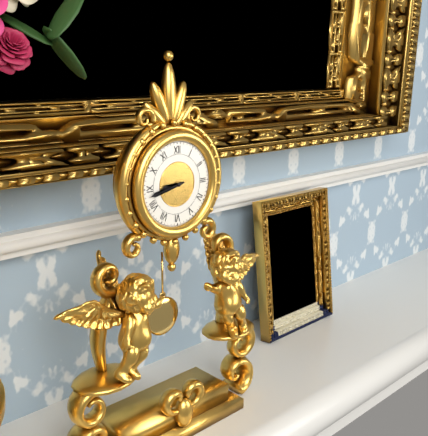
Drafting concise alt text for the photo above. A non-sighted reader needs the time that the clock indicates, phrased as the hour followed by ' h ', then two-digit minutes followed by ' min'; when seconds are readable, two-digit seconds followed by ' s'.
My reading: 8 h 43 min
